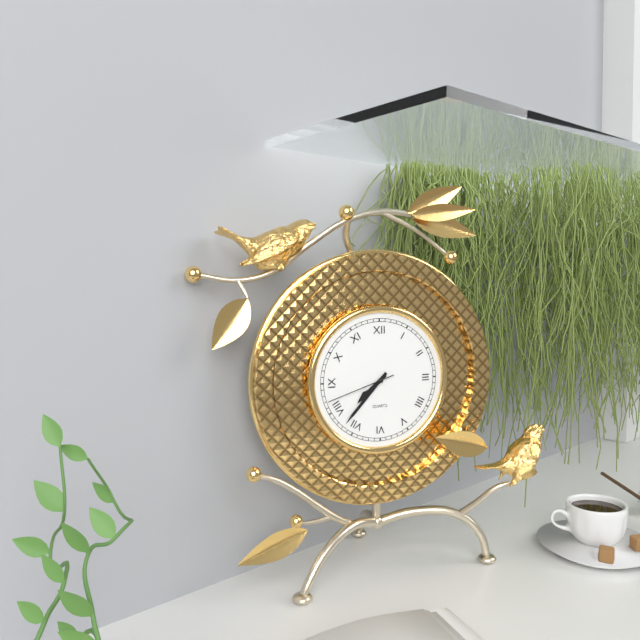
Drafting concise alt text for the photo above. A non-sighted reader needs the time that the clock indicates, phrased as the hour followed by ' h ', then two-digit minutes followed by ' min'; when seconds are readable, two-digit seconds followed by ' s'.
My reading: 7 h 37 min 42 s
